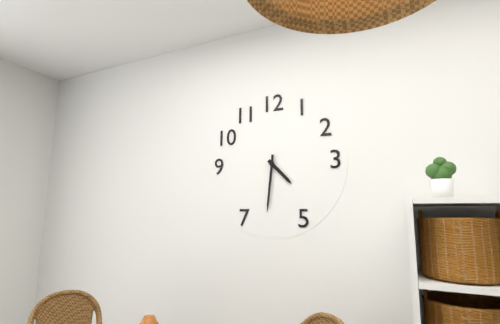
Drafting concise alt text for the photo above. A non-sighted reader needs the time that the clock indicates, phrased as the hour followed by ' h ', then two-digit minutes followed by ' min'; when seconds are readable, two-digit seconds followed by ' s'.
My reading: 4 h 31 min
